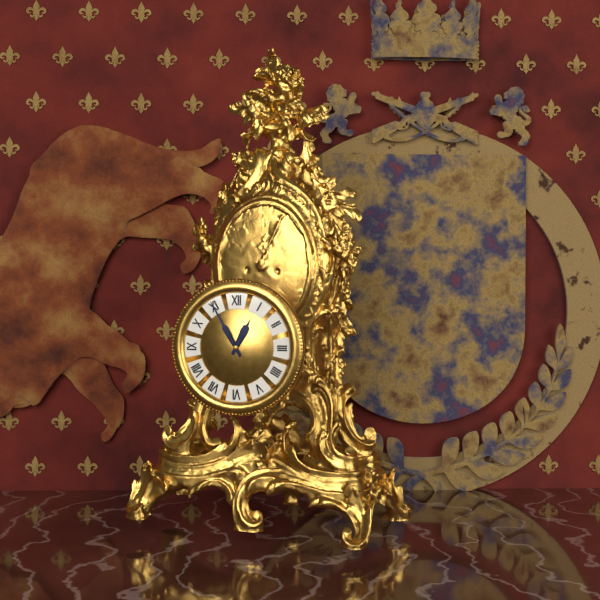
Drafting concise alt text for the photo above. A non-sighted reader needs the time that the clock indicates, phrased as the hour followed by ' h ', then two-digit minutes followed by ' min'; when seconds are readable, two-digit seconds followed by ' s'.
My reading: 12 h 55 min
